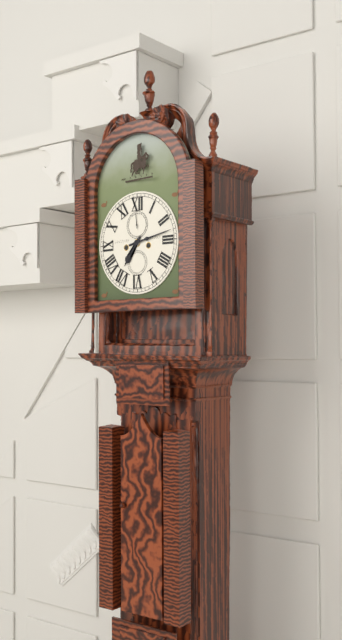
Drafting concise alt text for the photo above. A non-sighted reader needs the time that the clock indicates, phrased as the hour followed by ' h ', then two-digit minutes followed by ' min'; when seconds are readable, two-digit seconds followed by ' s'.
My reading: 7 h 13 min
